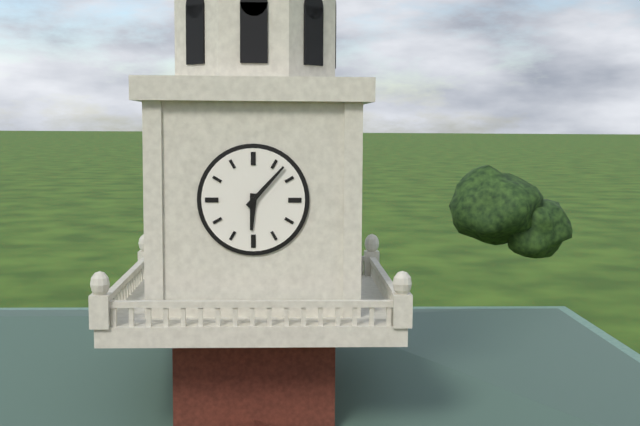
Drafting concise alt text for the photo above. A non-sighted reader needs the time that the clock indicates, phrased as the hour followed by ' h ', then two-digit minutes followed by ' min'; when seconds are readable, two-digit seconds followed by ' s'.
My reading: 6 h 07 min
